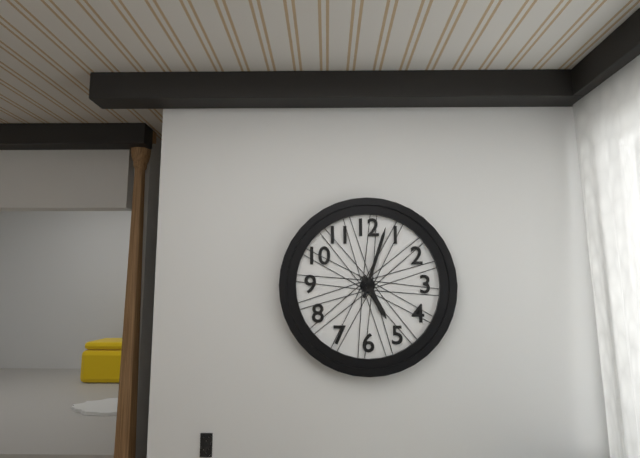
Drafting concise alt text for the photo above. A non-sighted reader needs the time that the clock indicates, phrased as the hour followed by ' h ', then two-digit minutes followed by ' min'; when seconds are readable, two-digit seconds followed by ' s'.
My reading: 5 h 03 min
